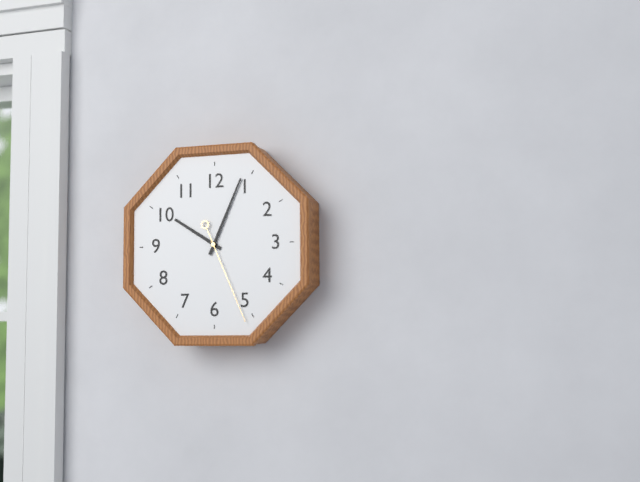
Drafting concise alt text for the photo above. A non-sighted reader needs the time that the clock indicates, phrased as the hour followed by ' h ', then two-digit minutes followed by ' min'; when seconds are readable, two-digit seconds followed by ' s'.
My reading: 10 h 04 min 26 s
